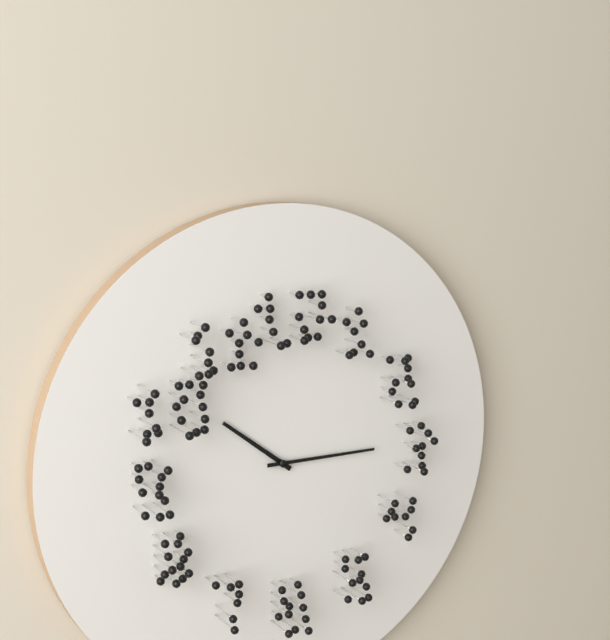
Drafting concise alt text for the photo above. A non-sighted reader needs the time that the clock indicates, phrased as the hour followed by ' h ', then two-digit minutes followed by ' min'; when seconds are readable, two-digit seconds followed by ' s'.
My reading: 10 h 15 min
